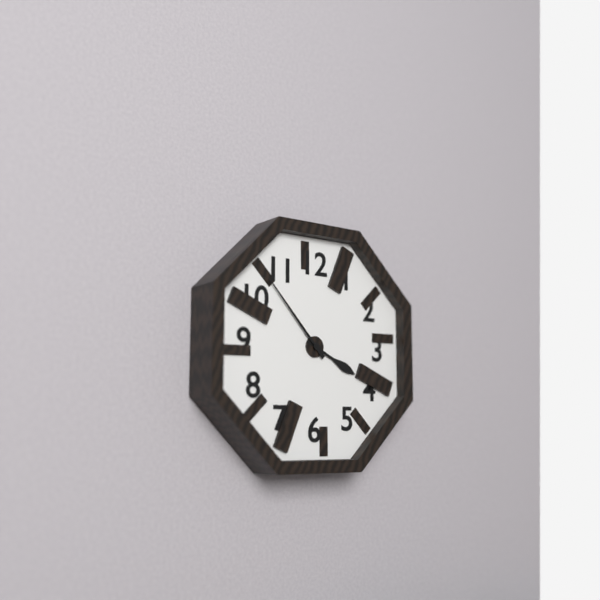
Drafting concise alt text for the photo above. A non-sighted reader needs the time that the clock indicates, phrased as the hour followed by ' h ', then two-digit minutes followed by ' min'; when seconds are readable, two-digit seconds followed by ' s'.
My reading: 3 h 53 min
